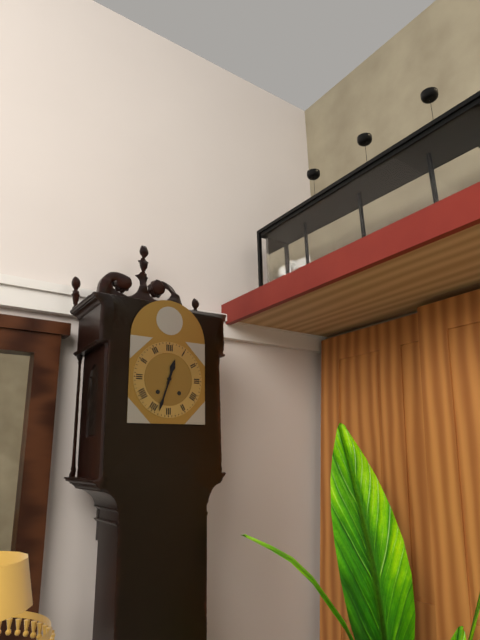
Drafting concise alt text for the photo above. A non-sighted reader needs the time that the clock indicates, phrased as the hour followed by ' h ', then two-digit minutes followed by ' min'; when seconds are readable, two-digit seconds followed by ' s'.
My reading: 12 h 33 min
